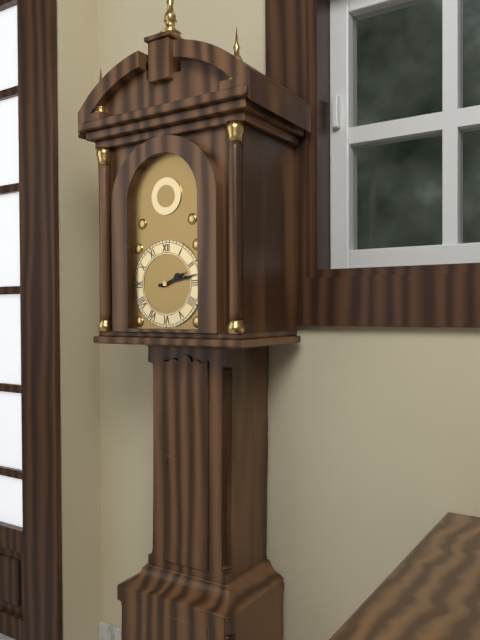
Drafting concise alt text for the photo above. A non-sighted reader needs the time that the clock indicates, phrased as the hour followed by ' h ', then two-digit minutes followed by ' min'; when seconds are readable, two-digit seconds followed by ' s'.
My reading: 2 h 13 min
